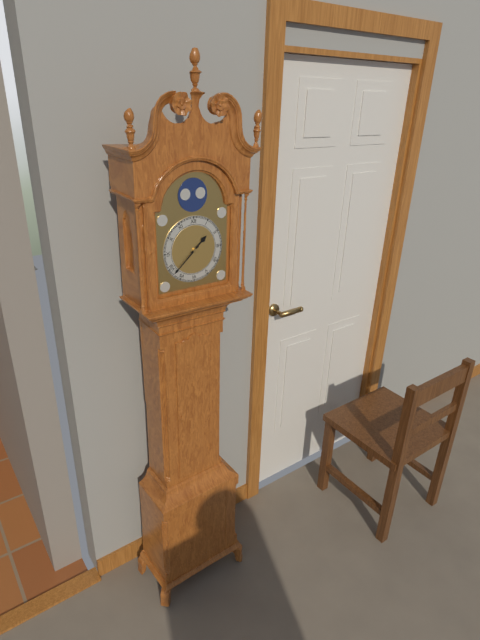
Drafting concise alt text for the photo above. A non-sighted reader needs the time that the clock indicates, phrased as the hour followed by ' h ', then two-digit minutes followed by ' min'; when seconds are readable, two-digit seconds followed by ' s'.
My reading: 1 h 38 min
